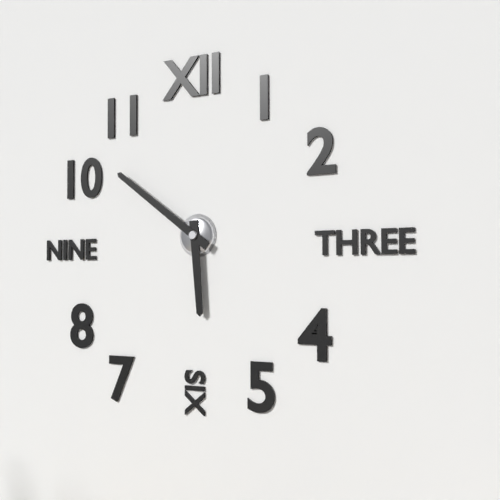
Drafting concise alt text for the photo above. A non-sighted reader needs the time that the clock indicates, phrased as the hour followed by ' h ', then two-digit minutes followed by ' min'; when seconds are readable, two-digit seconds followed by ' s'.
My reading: 5 h 51 min
